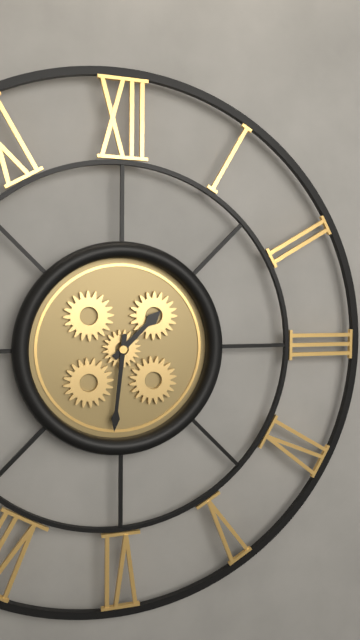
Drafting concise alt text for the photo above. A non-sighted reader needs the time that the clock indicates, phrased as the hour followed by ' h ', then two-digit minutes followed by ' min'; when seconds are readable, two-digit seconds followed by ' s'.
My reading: 1 h 31 min
